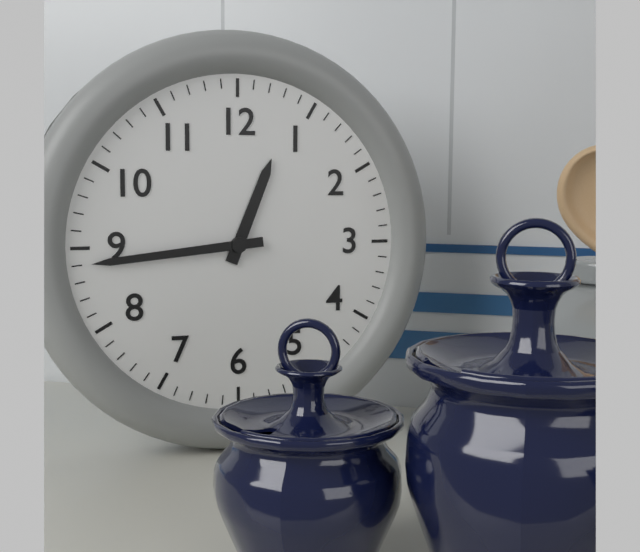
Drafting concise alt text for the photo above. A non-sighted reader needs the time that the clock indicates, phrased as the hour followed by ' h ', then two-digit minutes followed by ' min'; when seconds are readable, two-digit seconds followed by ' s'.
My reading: 12 h 44 min
